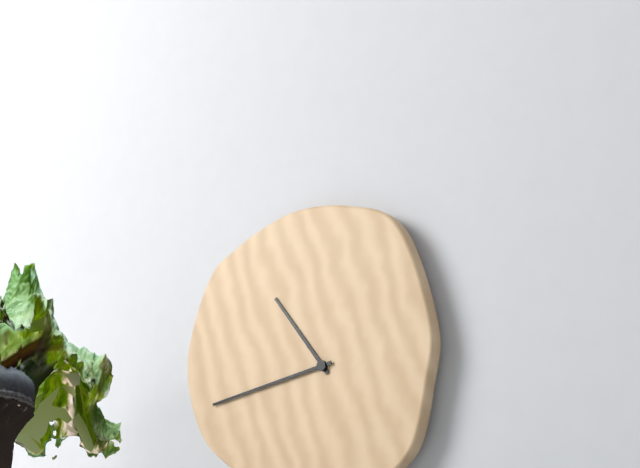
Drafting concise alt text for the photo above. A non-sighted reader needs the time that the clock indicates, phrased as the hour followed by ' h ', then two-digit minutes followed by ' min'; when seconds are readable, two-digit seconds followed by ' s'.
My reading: 10 h 43 min
